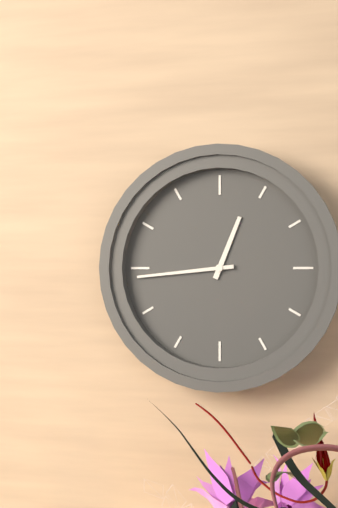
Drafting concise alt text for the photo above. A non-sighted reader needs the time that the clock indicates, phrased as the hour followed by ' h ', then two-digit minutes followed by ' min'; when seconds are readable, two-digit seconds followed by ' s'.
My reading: 12 h 44 min
